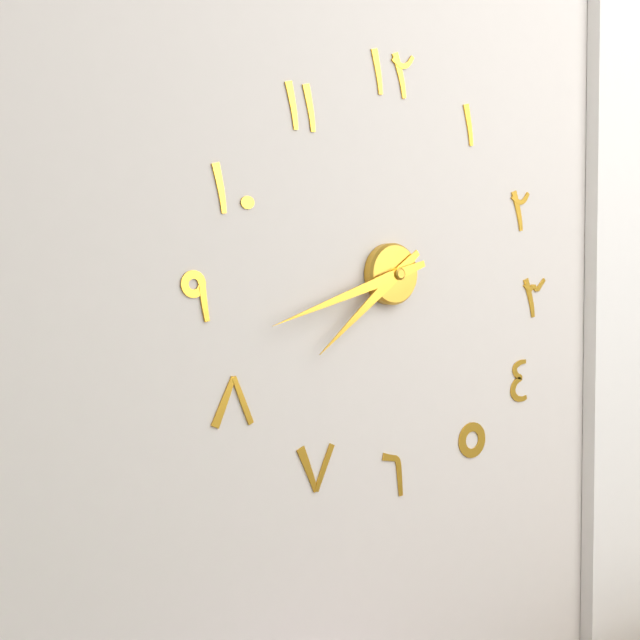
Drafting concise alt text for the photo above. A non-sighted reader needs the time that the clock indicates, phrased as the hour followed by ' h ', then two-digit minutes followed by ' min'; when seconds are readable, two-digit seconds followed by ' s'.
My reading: 7 h 42 min
